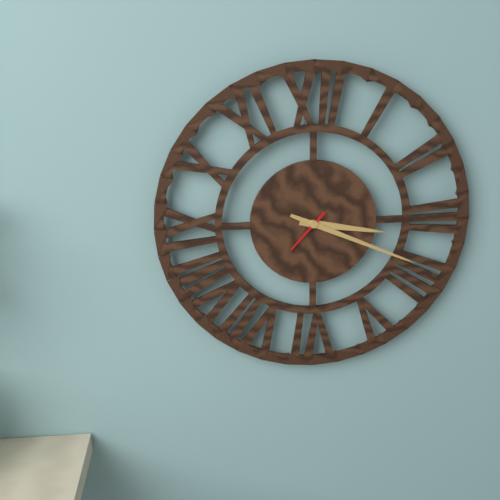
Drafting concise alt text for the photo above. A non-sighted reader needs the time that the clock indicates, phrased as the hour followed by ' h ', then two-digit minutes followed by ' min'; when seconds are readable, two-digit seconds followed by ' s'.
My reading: 3 h 19 min
